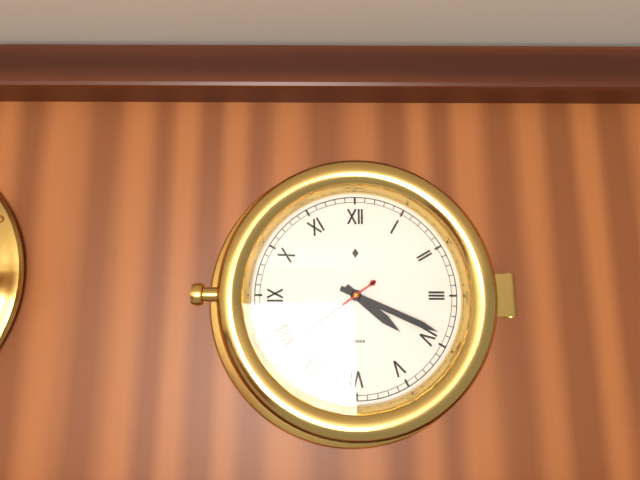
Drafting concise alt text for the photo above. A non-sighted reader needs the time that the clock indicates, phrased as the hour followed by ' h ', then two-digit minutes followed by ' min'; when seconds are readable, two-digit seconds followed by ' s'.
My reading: 4 h 19 min 39 s
